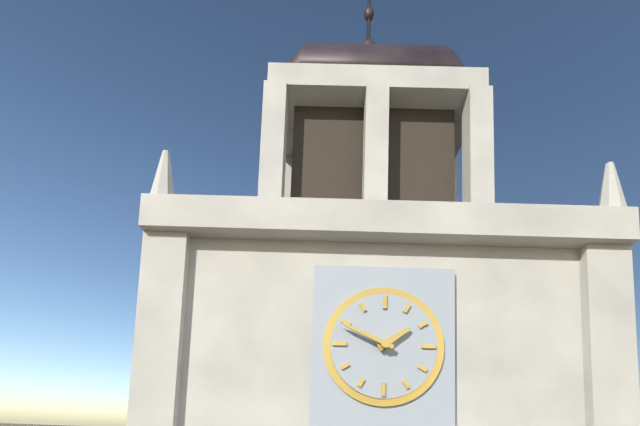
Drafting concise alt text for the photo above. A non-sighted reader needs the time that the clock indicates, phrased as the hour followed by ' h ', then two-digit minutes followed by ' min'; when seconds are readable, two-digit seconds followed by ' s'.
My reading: 1 h 49 min
